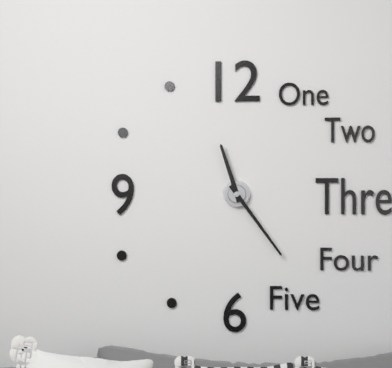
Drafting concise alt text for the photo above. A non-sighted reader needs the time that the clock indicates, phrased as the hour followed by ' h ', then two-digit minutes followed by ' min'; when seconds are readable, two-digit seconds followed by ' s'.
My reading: 11 h 24 min
